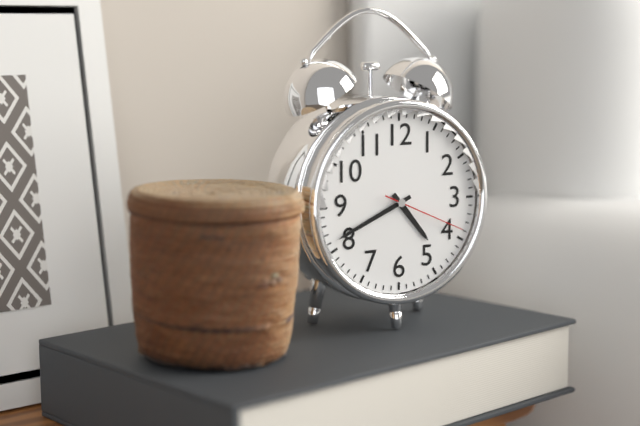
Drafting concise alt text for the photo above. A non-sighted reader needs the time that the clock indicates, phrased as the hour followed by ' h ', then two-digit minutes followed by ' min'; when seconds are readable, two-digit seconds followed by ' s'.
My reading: 4 h 41 min 19 s
